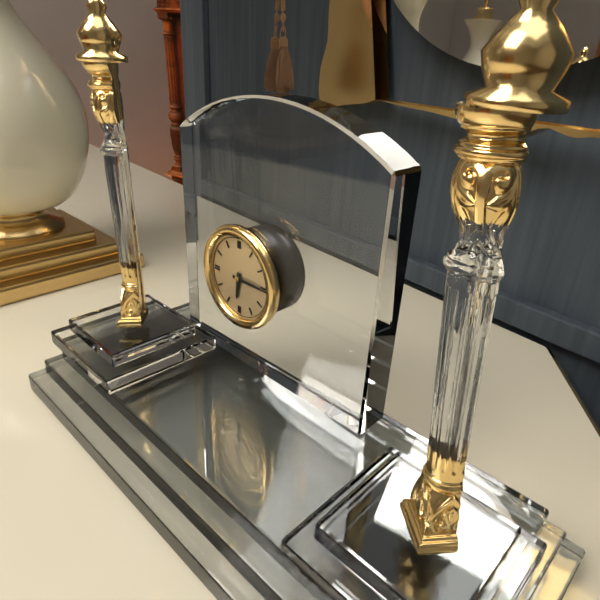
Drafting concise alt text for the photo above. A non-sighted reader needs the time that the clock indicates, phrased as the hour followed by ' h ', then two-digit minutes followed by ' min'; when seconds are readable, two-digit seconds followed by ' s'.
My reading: 6 h 15 min
